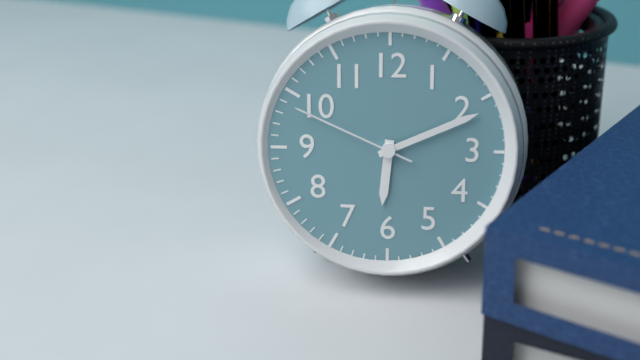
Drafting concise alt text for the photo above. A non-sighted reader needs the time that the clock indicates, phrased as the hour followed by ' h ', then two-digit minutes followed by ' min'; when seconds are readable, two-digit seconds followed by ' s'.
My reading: 6 h 11 min 49 s
